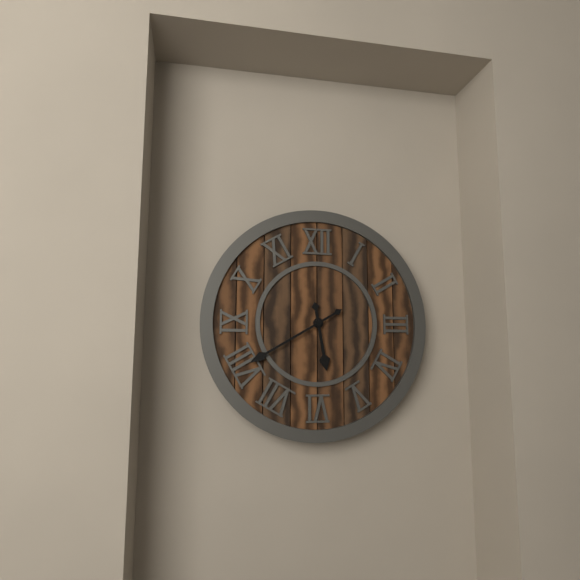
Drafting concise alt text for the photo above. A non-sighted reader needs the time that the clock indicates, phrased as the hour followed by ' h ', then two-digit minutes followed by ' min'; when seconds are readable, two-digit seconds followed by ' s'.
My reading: 5 h 40 min
